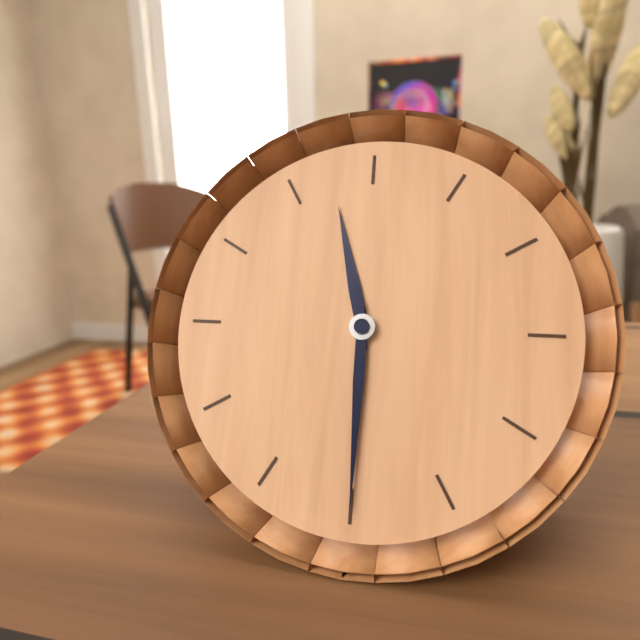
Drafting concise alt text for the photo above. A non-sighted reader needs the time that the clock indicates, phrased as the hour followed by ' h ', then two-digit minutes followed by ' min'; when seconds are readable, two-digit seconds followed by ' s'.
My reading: 11 h 30 min
